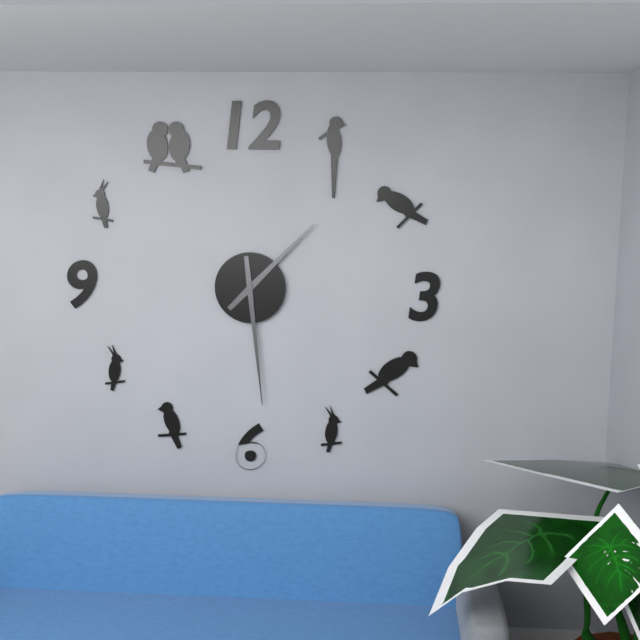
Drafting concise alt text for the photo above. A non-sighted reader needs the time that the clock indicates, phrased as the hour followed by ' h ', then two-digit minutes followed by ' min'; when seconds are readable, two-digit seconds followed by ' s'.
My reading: 1 h 29 min
